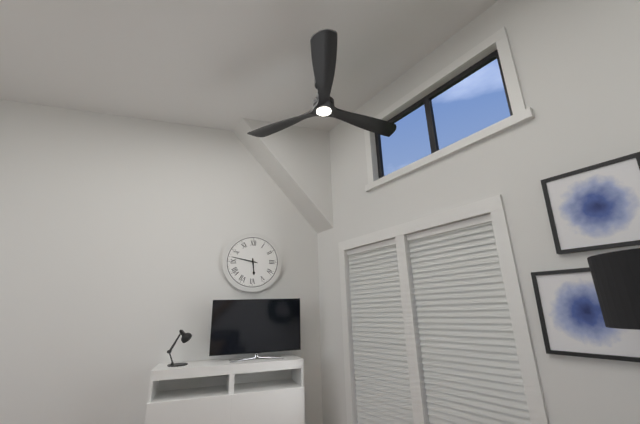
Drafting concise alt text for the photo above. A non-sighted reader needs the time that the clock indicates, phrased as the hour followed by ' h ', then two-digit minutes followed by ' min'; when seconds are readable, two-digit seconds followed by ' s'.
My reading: 5 h 47 min
